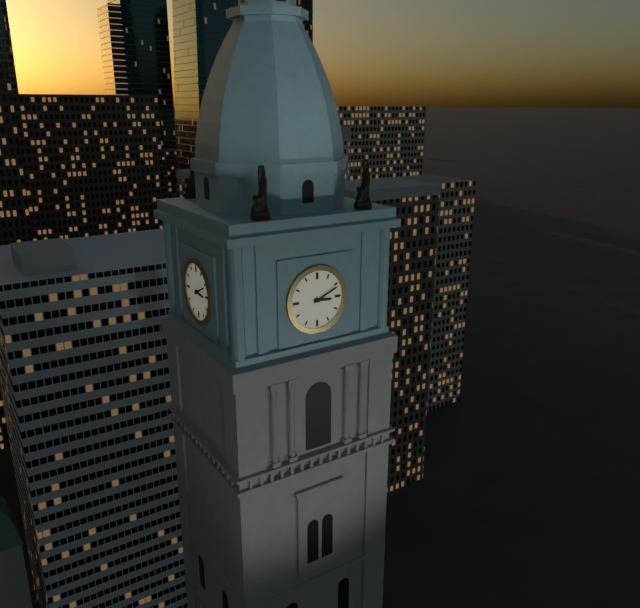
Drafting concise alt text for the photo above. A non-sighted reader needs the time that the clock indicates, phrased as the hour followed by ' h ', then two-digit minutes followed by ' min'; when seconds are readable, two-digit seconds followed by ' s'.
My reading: 3 h 11 min
